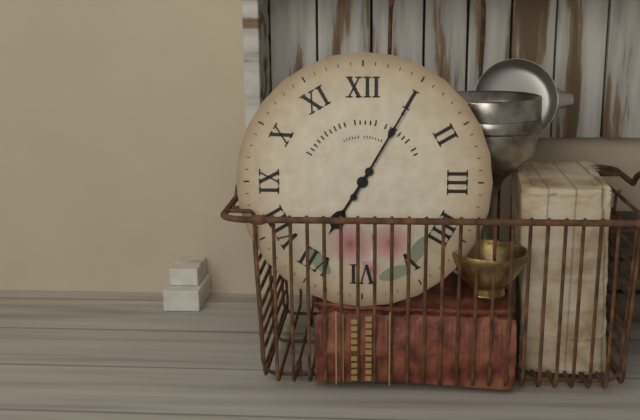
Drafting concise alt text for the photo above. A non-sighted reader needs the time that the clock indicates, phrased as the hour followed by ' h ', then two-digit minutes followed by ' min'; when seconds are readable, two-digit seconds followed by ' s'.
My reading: 7 h 05 min
